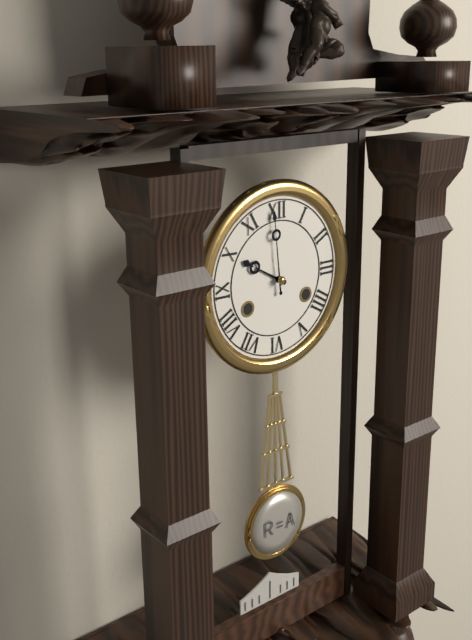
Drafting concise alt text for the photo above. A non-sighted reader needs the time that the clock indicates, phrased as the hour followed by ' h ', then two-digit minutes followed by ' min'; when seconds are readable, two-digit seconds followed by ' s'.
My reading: 9 h 59 min
